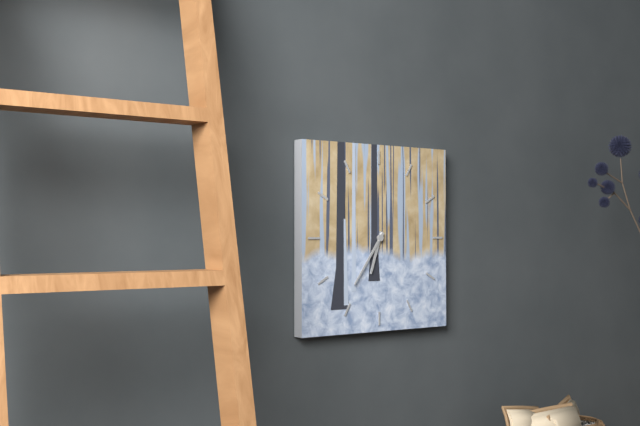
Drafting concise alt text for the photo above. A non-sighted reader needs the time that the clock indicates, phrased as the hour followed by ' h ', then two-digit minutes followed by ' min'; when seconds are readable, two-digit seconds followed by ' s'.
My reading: 6 h 36 min
